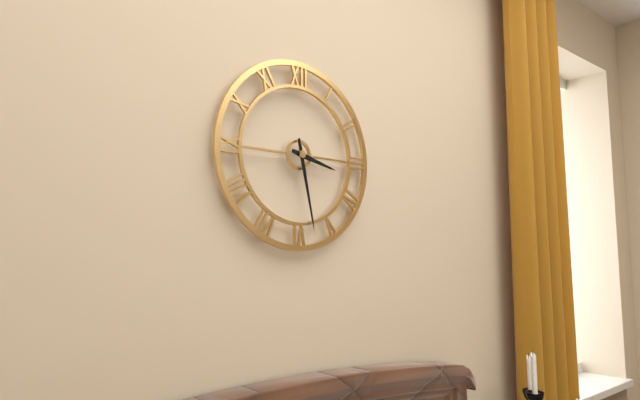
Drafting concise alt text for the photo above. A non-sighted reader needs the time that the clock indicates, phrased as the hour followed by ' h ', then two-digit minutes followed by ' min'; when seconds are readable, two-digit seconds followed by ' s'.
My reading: 3 h 28 min
